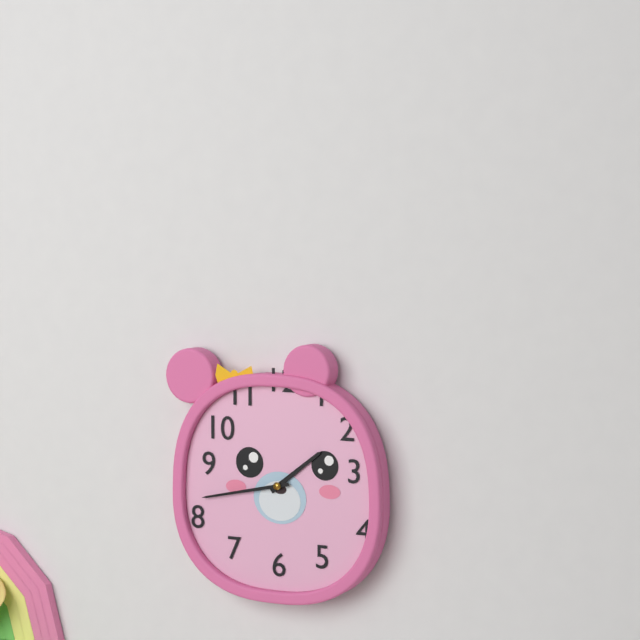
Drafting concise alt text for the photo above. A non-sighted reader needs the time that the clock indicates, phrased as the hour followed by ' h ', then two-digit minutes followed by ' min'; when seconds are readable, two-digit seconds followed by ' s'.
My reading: 1 h 43 min
